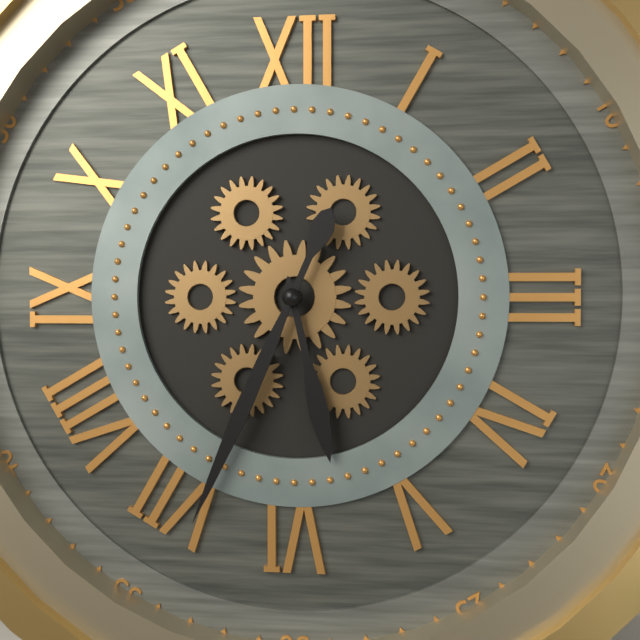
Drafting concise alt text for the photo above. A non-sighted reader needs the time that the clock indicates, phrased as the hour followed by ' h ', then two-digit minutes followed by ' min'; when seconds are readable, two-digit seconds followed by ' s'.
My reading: 5 h 34 min
